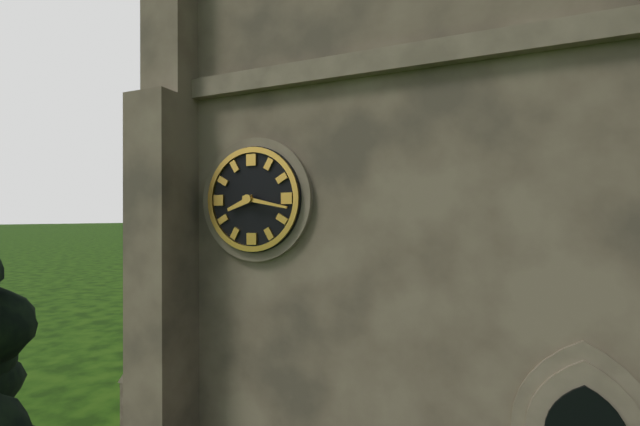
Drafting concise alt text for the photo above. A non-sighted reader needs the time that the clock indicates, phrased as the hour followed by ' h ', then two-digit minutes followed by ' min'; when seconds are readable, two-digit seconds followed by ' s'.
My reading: 8 h 17 min
